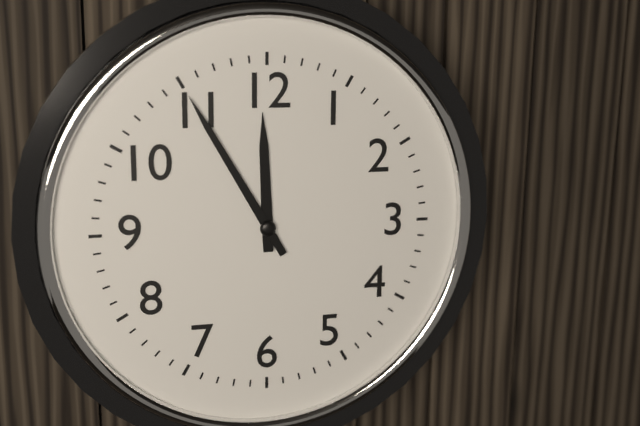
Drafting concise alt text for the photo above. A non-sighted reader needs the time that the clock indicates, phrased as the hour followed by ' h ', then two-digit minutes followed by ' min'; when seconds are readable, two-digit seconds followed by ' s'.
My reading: 11 h 55 min
